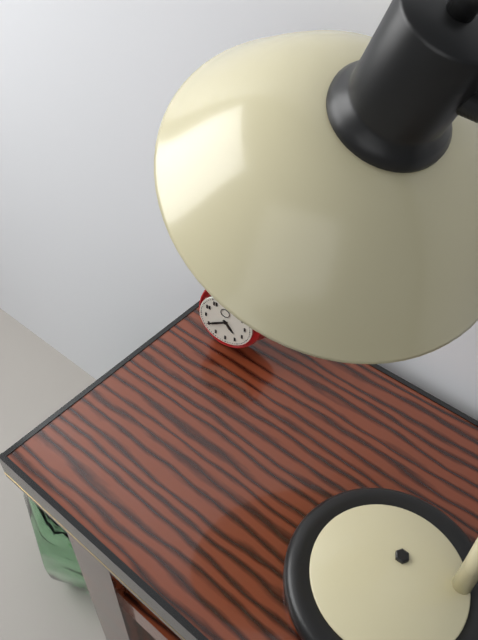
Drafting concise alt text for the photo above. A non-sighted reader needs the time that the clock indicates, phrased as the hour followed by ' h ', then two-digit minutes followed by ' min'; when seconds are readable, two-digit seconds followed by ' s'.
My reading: 4 h 40 min
